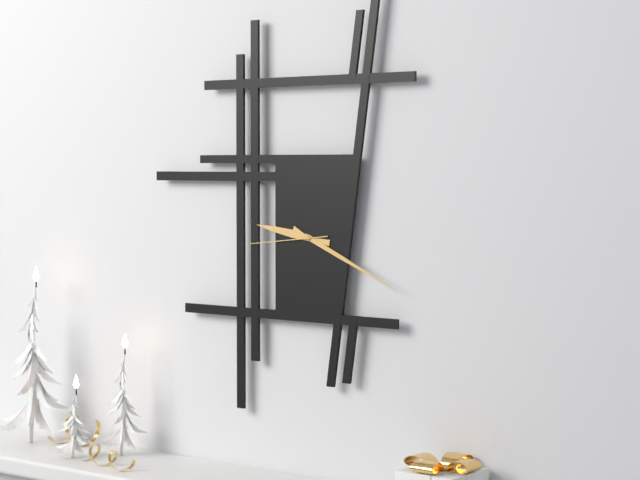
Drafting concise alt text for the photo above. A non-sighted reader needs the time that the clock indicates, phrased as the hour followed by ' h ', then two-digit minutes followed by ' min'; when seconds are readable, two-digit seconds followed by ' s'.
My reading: 9 h 19 min 44 s
